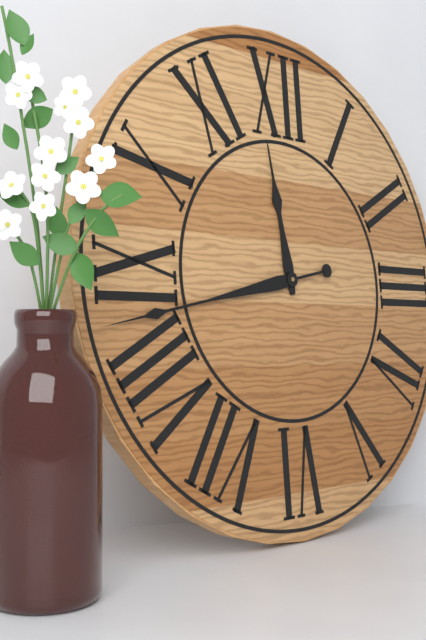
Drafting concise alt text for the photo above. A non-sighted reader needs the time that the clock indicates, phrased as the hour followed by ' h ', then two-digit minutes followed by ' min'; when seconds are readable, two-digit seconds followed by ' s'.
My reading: 11 h 43 min
